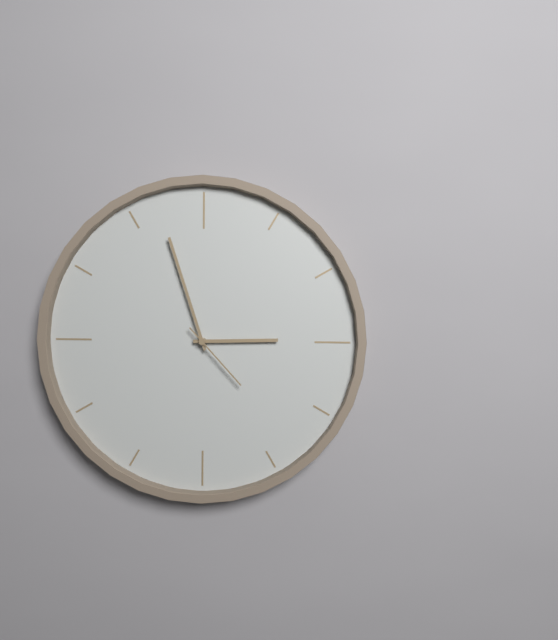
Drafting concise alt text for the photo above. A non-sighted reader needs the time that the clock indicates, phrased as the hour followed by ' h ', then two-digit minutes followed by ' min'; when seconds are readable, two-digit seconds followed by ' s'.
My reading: 2 h 57 min 23 s
